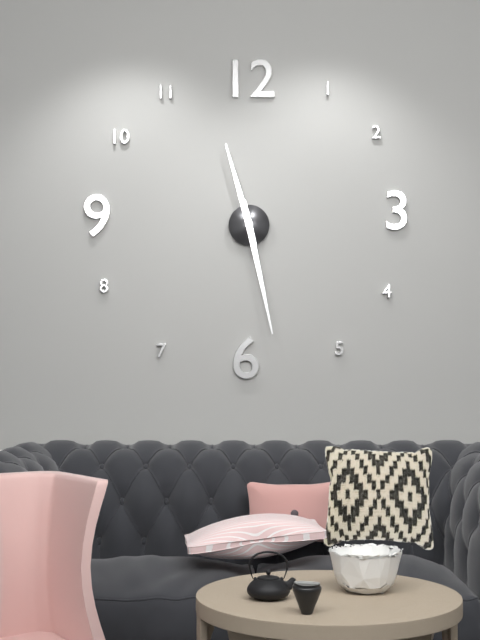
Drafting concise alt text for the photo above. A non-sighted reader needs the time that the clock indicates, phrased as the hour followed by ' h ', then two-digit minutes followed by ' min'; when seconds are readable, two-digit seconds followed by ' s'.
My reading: 11 h 28 min
